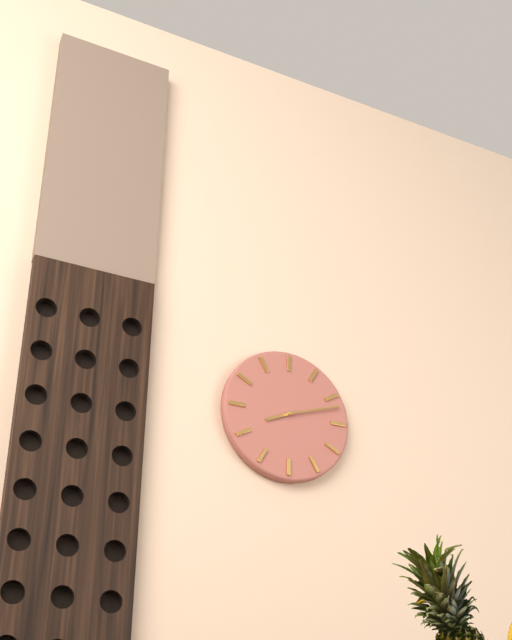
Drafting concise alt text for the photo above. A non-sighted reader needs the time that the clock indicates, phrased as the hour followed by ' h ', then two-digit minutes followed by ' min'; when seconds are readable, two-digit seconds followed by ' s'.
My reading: 8 h 12 min
